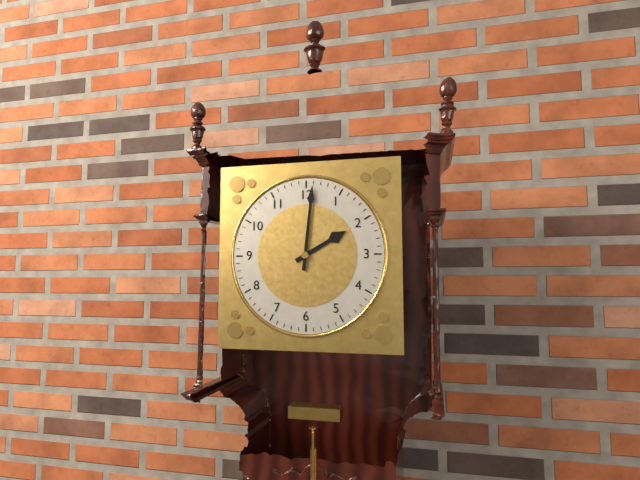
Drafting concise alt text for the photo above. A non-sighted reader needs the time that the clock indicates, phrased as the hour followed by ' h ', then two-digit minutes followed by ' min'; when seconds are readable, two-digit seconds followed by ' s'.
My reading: 2 h 01 min
